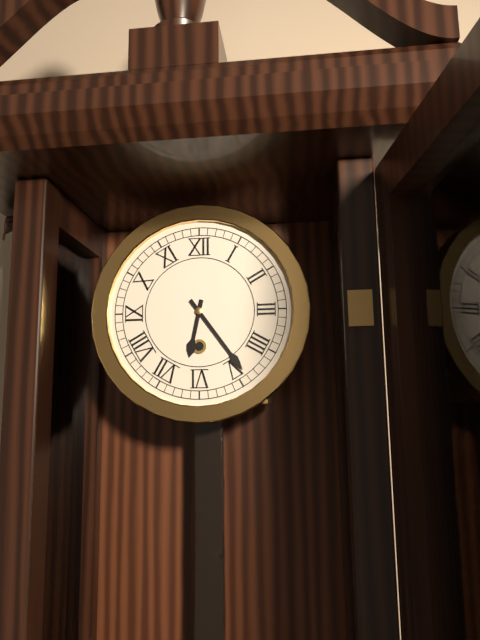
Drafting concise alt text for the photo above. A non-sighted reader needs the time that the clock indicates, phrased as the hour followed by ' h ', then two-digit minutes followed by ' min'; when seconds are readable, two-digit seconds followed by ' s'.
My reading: 6 h 24 min
